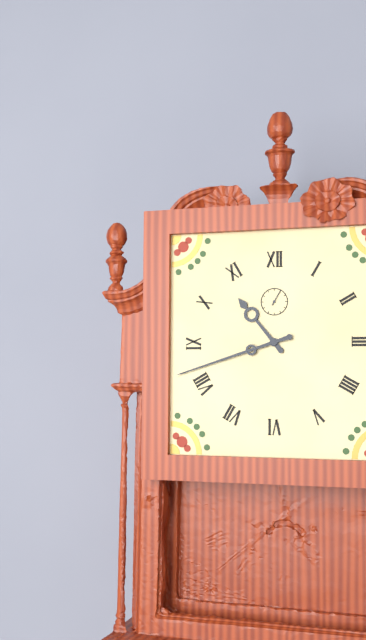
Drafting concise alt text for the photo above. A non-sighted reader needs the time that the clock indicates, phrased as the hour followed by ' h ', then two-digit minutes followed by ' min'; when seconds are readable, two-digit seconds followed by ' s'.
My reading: 10 h 42 min
